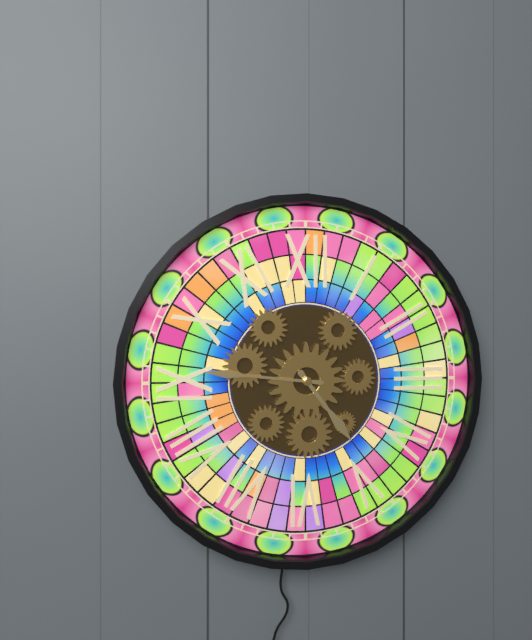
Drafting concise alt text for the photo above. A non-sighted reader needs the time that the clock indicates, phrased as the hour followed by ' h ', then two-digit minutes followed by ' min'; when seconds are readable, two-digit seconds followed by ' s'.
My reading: 4 h 46 min
